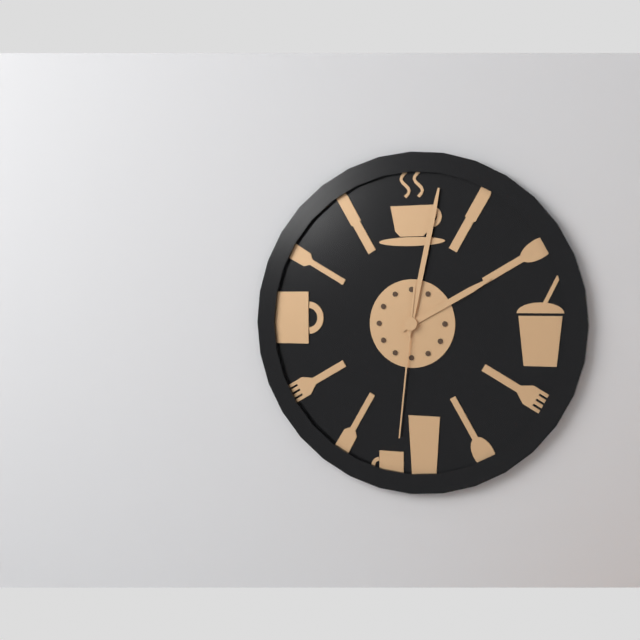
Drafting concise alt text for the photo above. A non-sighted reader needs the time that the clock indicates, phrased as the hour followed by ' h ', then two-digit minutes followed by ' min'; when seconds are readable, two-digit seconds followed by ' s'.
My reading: 2 h 02 min 31 s
